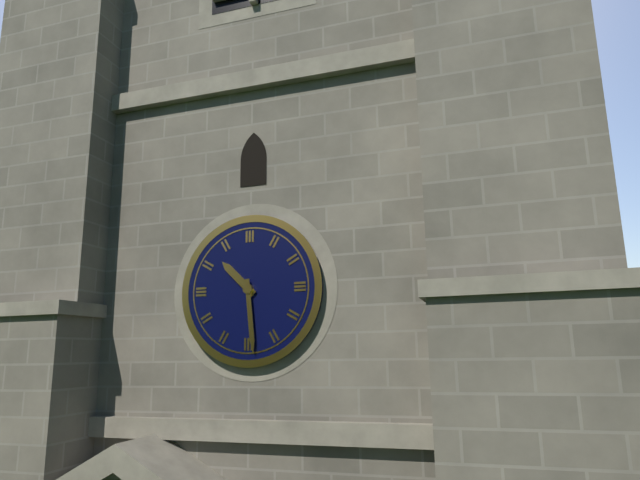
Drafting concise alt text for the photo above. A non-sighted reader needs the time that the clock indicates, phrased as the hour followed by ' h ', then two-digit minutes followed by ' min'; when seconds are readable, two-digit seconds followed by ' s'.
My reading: 10 h 29 min
